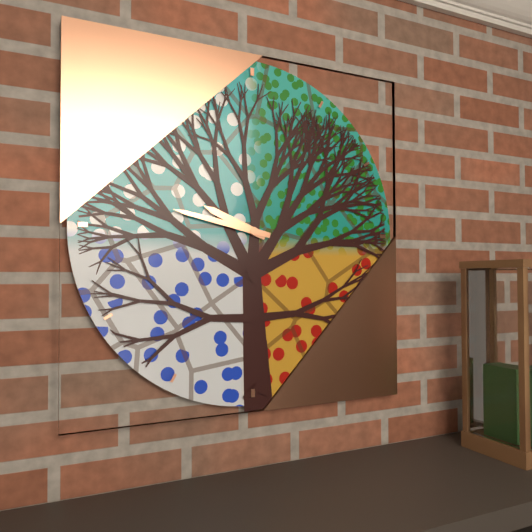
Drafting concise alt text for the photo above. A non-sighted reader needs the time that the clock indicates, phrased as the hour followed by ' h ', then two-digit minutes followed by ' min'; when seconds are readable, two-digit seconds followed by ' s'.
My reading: 9 h 47 min
